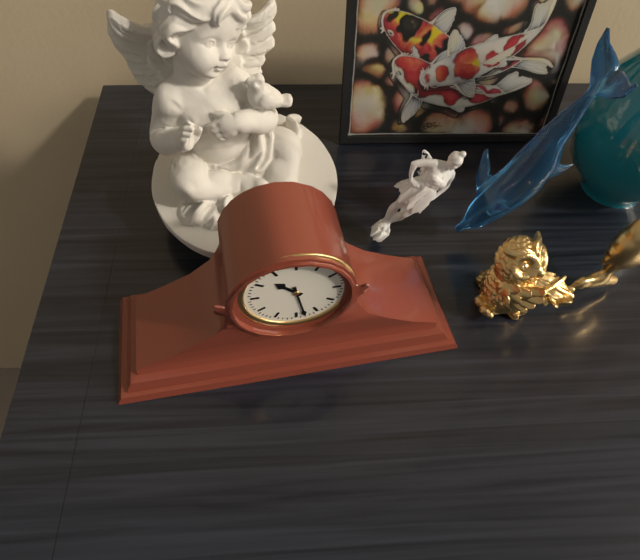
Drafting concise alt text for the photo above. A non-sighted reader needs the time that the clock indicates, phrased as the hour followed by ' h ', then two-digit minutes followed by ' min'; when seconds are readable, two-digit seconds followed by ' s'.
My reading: 10 h 28 min
